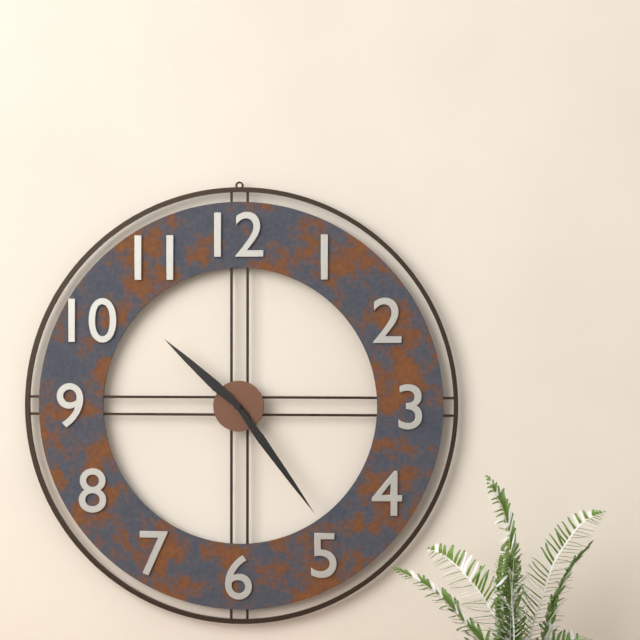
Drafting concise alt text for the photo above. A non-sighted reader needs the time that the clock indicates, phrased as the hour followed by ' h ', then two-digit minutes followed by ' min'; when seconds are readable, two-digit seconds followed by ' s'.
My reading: 10 h 24 min
